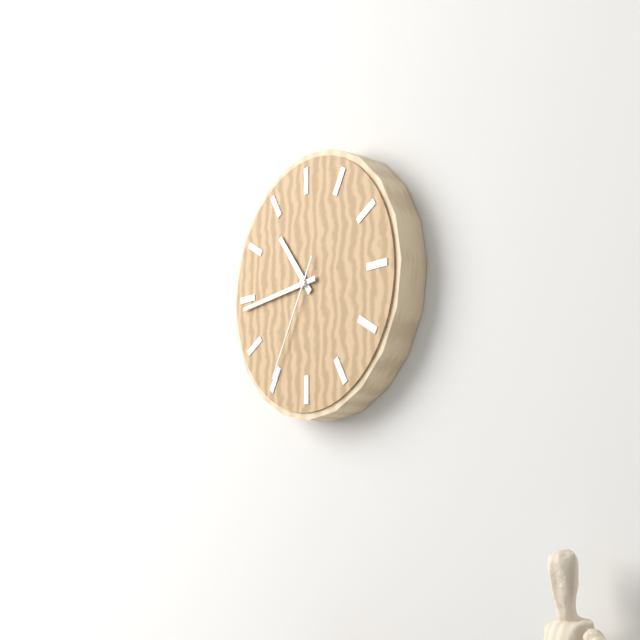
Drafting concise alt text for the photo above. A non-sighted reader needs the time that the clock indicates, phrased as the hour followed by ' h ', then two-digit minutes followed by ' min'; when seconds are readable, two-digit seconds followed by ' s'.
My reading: 10 h 44 min 35 s
